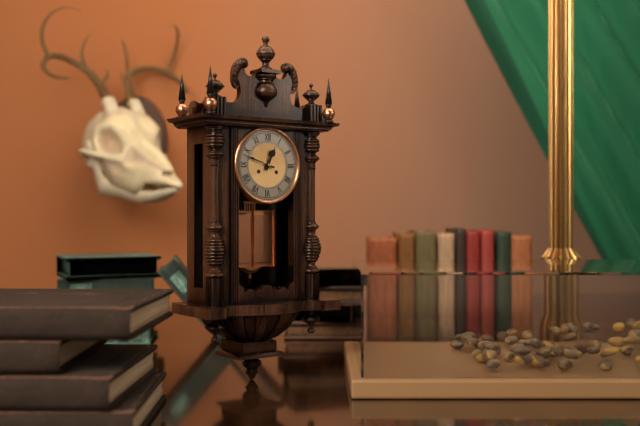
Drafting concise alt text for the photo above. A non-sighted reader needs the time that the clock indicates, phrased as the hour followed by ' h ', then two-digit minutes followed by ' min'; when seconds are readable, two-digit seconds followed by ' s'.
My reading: 12 h 48 min
